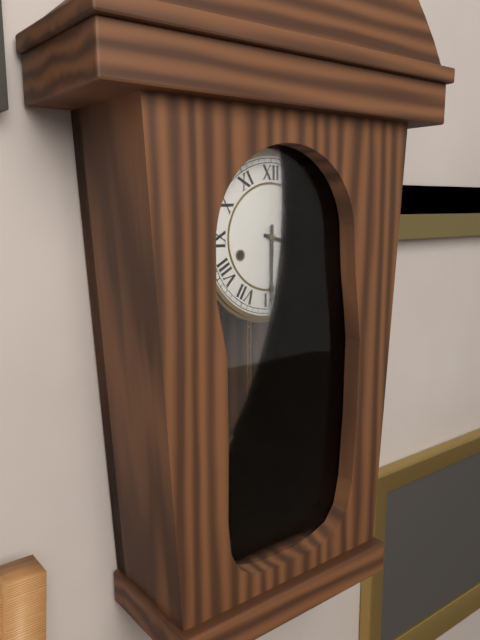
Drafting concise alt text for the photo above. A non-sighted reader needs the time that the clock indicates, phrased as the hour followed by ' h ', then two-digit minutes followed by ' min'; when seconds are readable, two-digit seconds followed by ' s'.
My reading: 3 h 30 min
